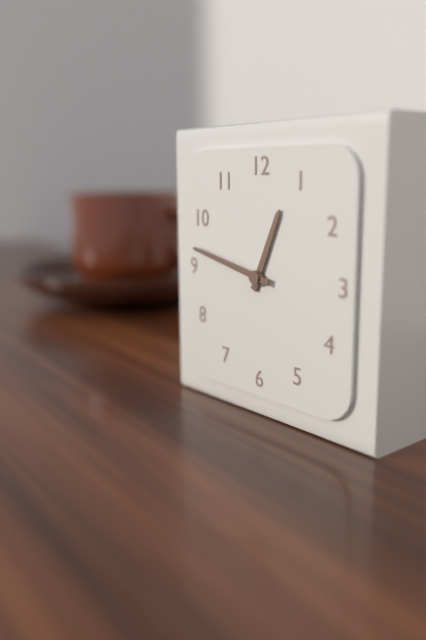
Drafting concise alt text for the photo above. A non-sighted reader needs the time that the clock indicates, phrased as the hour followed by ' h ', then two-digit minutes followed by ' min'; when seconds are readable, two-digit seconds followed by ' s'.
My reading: 12 h 47 min
